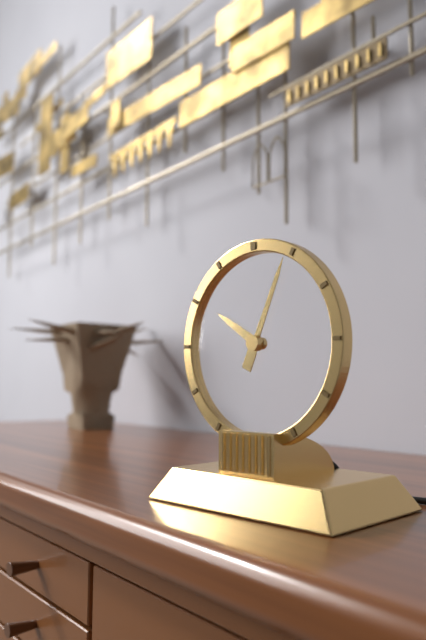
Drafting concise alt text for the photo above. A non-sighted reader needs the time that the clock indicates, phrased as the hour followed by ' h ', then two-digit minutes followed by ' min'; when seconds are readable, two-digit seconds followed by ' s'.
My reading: 10 h 04 min
